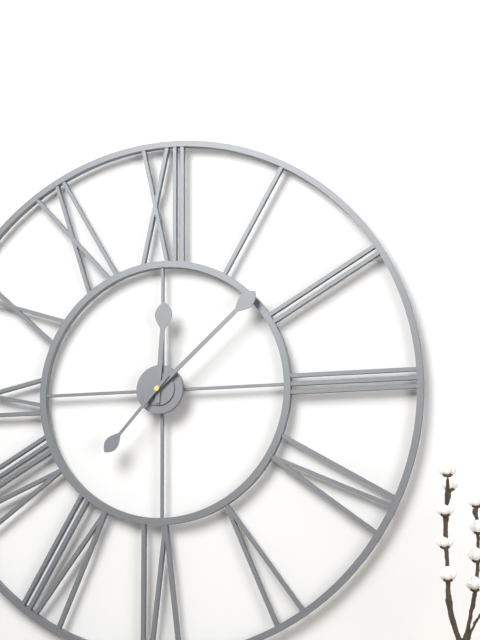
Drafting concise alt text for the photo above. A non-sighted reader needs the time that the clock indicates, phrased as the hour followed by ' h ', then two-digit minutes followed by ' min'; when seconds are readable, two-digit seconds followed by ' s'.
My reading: 12 h 08 min 37 s
